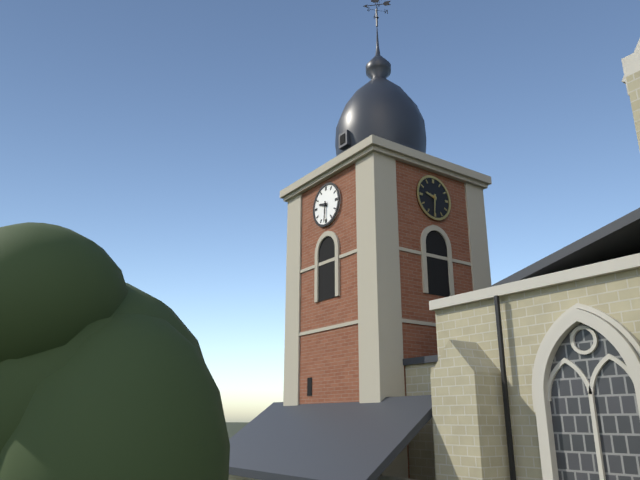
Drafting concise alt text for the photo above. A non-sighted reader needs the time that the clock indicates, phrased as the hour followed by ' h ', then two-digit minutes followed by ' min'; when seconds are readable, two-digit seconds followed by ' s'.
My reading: 9 h 31 min
